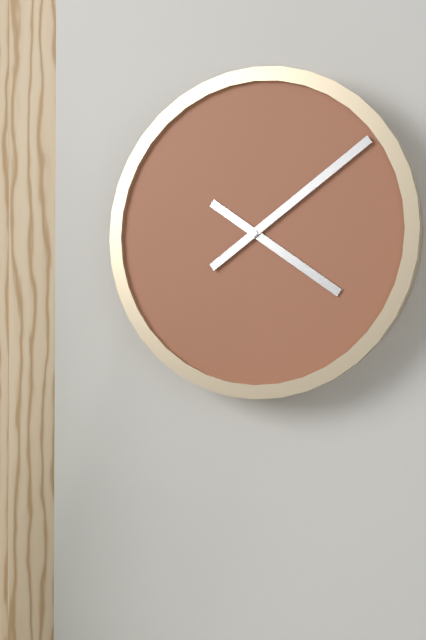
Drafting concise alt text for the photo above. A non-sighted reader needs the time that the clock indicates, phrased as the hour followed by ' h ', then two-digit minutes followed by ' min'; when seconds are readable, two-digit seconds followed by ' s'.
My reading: 4 h 09 min
